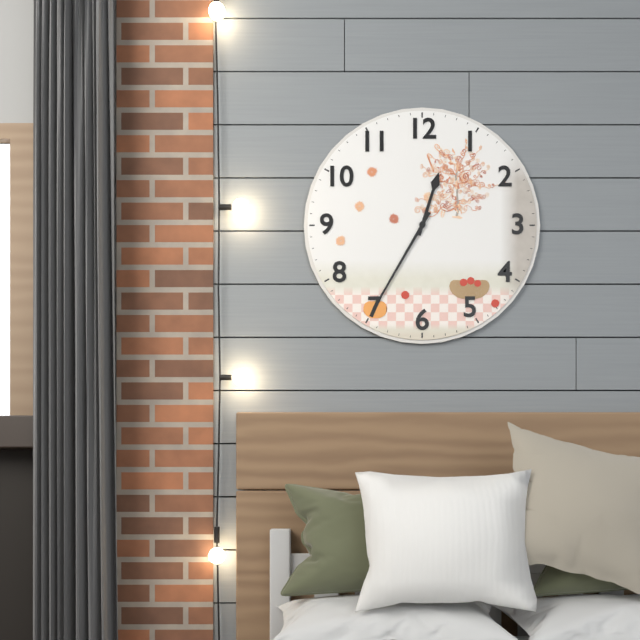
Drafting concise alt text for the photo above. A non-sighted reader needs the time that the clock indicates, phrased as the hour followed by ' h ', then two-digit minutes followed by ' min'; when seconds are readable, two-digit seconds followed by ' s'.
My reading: 12 h 35 min
